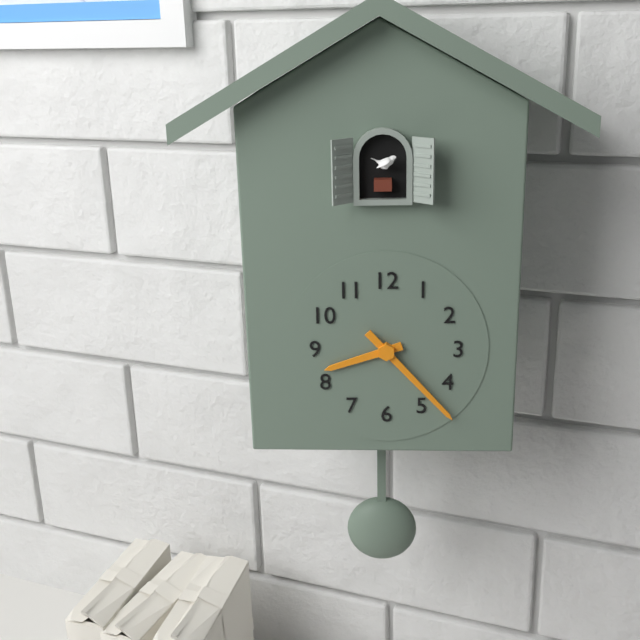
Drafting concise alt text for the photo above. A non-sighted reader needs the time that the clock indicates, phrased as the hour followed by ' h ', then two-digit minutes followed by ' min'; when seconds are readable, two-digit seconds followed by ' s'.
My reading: 8 h 23 min
